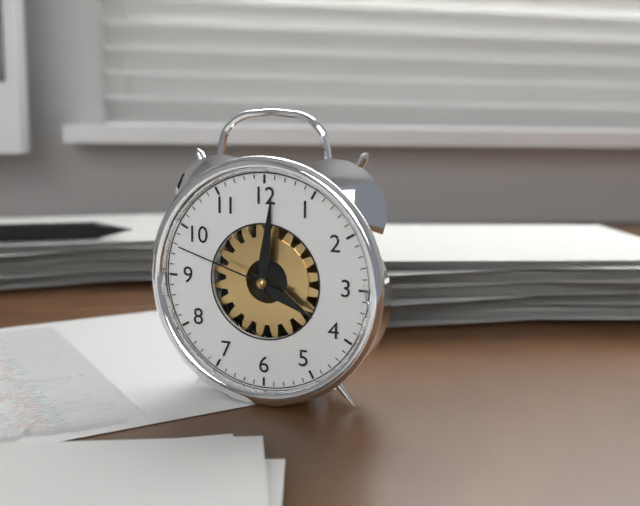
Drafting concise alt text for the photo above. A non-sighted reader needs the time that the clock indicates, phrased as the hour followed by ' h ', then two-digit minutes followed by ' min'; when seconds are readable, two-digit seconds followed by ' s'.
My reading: 4 h 01 min 48 s
